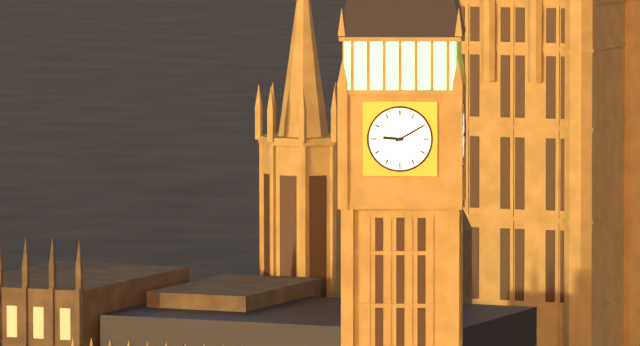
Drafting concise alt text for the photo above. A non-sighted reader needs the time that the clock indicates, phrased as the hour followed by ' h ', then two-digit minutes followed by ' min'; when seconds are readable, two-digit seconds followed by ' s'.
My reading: 9 h 10 min
